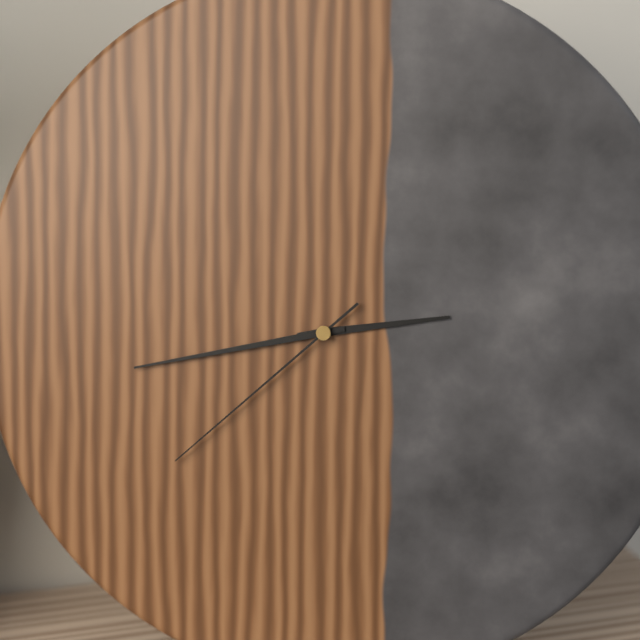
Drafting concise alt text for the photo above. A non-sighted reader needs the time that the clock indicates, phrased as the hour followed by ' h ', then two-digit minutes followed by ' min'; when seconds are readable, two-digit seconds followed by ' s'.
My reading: 2 h 43 min 38 s
